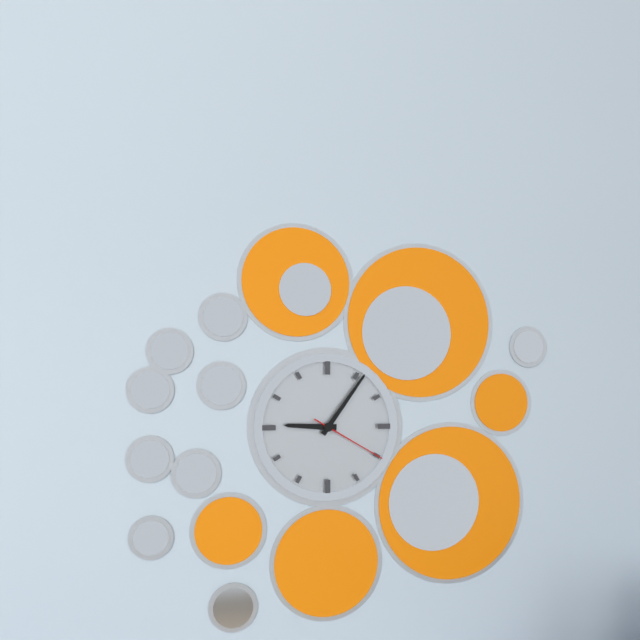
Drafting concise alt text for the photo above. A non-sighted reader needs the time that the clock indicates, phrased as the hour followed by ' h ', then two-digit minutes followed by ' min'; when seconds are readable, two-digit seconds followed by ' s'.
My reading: 9 h 06 min 20 s
